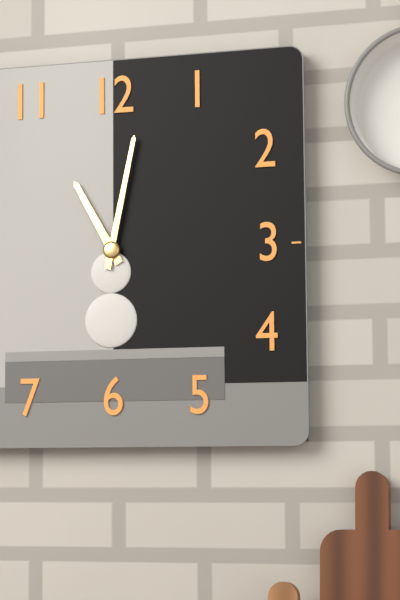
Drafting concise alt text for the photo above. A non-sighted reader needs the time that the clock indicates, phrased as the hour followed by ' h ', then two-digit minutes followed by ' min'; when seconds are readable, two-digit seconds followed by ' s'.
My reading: 11 h 02 min
